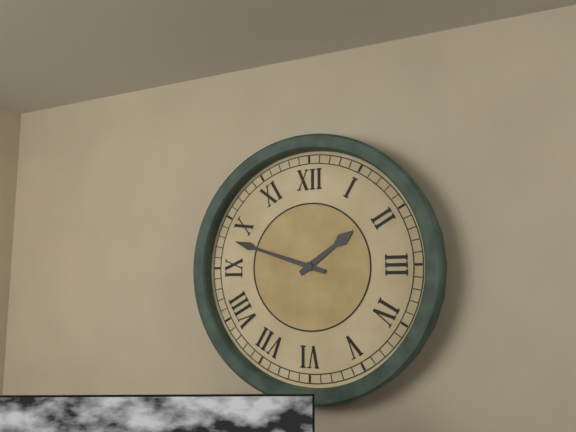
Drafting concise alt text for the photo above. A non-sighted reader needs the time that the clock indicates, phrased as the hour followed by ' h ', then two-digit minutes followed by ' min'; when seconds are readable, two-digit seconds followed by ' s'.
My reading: 1 h 48 min
